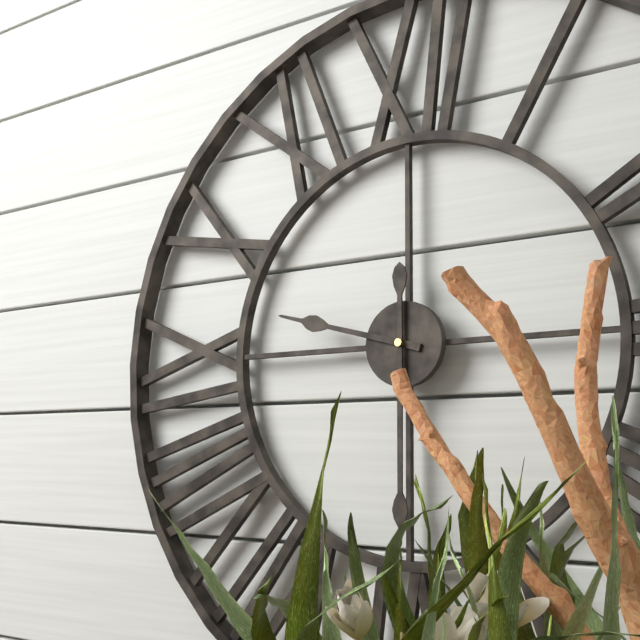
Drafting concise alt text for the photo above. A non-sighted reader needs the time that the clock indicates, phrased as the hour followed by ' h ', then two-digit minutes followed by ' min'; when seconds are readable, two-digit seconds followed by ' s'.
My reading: 9 h 30 min
